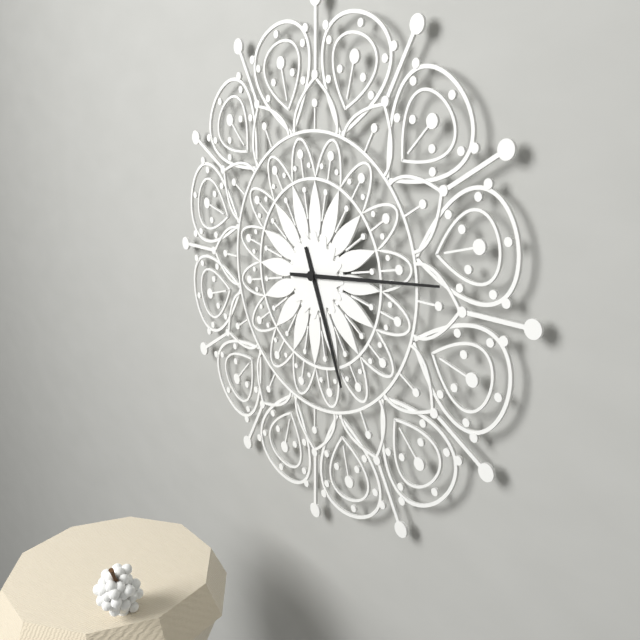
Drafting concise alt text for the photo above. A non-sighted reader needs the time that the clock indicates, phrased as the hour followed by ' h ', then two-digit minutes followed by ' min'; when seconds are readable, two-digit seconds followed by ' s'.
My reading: 5 h 14 min
